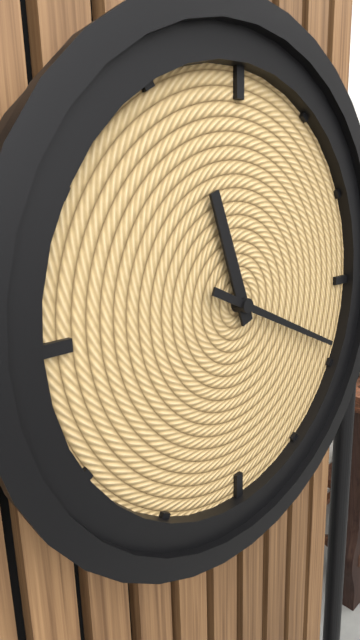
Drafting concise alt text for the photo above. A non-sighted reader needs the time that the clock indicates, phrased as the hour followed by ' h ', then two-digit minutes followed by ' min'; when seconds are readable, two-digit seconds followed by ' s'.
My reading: 11 h 19 min
